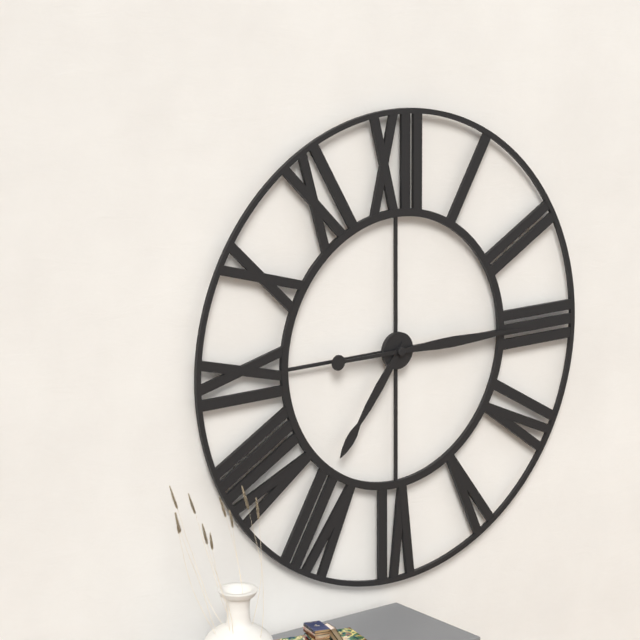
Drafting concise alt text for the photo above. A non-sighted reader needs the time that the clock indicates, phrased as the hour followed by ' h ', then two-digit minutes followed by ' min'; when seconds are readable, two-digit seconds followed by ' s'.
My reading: 7 h 15 min
